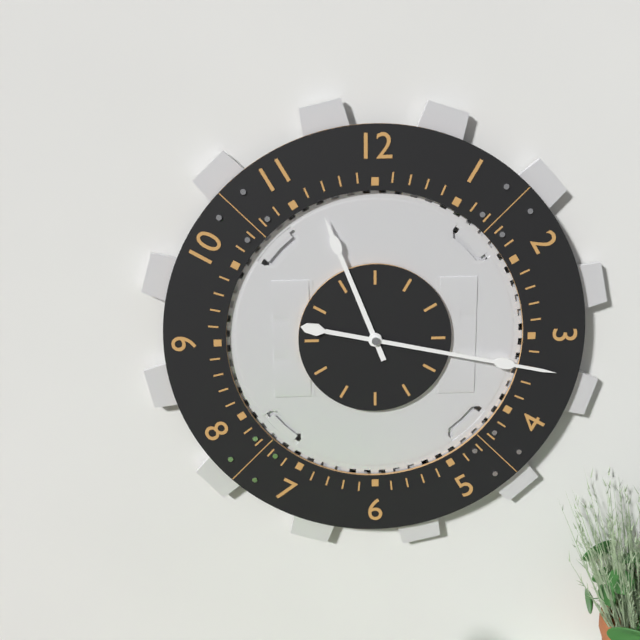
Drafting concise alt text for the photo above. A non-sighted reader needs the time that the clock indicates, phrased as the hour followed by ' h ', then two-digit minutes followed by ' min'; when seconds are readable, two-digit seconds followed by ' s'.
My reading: 11 h 17 min
